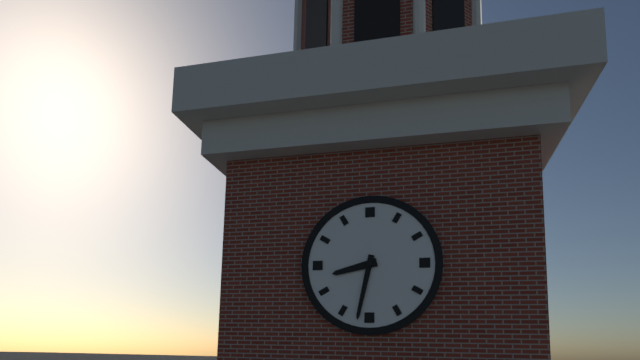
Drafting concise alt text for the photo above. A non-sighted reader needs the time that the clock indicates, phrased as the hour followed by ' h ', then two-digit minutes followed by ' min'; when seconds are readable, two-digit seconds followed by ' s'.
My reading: 8 h 32 min
